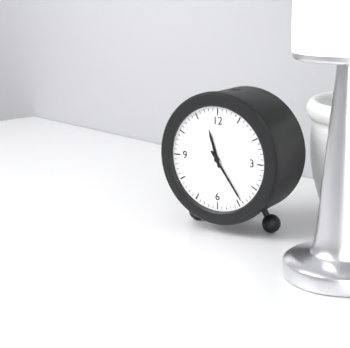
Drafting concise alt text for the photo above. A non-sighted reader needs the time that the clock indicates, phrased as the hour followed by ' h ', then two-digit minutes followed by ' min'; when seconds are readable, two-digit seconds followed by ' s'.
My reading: 11 h 24 min
